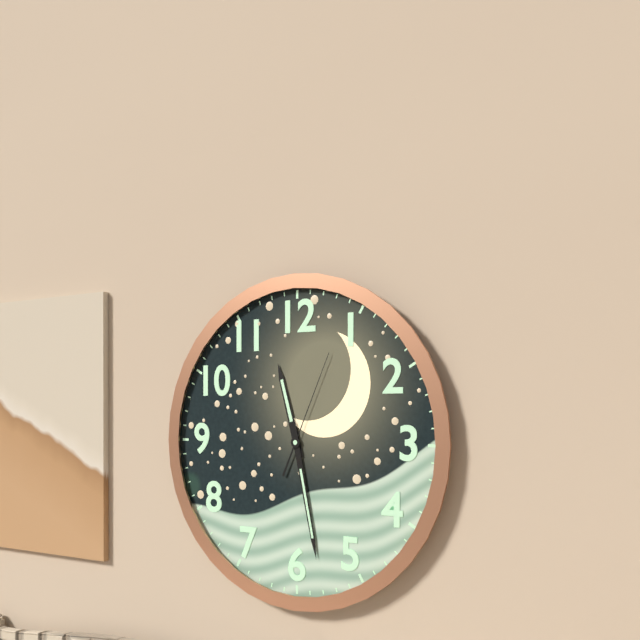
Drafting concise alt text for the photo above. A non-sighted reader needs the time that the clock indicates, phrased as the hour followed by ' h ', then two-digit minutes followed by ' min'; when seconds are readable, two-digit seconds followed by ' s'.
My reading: 11 h 28 min 04 s
